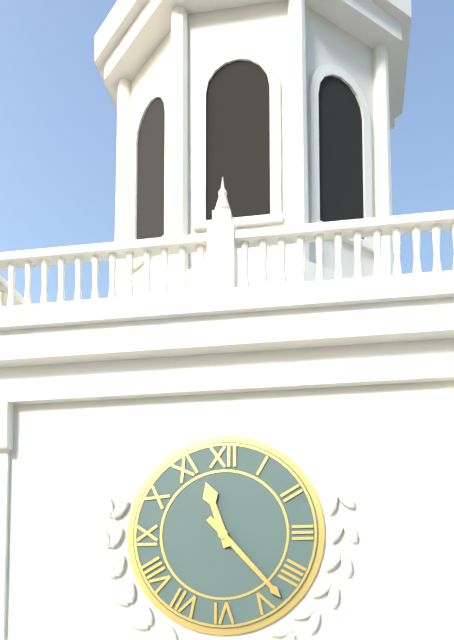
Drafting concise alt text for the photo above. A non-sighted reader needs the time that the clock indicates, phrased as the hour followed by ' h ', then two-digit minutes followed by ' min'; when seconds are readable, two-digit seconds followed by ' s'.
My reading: 11 h 23 min
